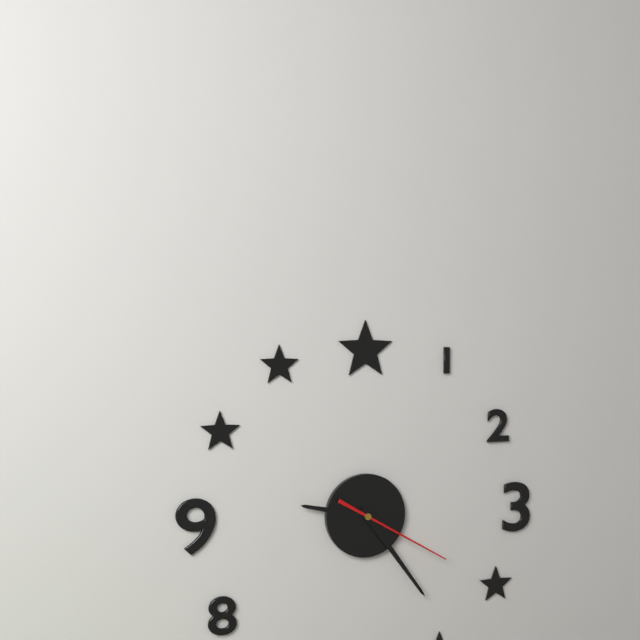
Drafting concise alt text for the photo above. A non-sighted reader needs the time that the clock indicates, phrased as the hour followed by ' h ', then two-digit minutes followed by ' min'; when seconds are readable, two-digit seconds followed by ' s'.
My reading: 9 h 24 min 20 s
